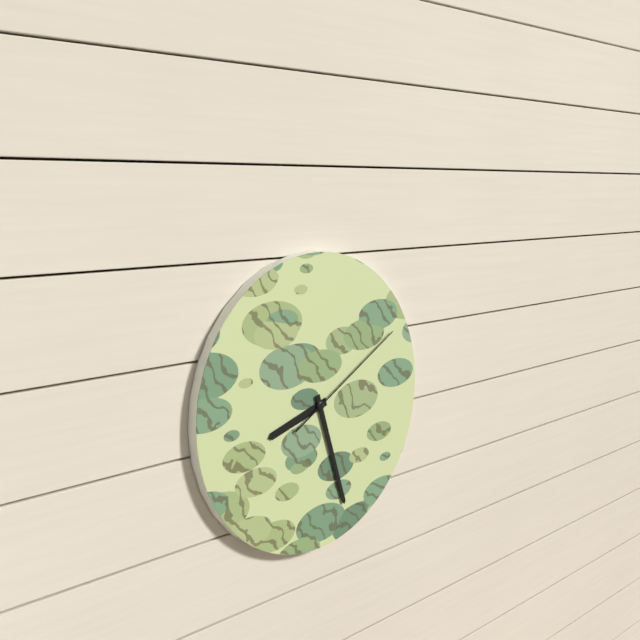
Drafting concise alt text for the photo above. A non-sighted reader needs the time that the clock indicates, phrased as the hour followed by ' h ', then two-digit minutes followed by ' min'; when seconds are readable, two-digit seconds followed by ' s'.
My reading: 8 h 27 min 10 s
